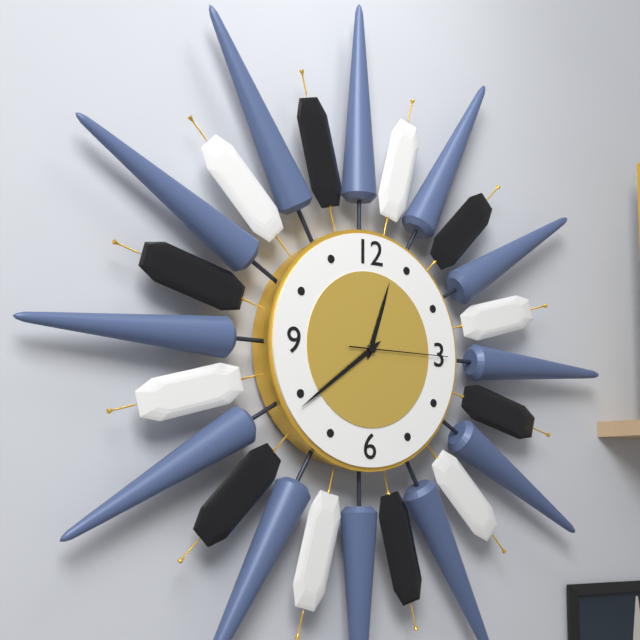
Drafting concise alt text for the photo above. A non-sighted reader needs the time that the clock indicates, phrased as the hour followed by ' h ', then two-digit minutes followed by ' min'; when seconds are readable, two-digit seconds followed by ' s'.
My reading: 12 h 39 min 15 s
